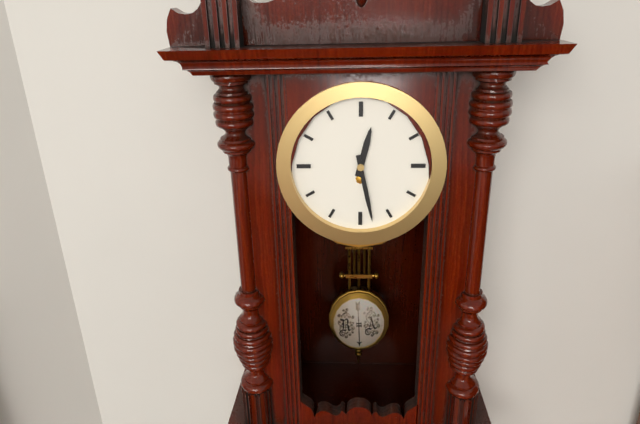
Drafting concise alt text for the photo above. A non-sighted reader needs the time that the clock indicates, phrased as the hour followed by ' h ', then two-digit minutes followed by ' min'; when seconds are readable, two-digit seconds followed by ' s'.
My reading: 12 h 28 min
